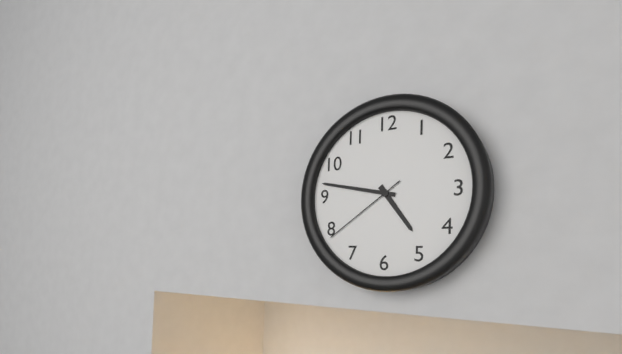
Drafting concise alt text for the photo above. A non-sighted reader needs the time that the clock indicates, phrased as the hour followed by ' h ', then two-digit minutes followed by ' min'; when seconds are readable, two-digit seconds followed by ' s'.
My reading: 4 h 47 min 39 s
